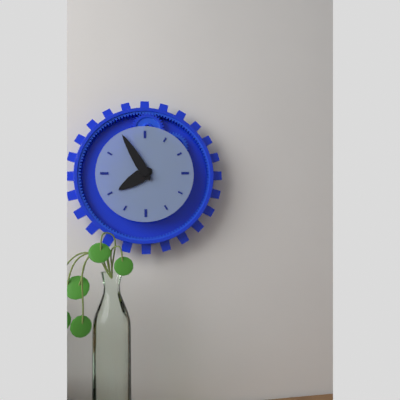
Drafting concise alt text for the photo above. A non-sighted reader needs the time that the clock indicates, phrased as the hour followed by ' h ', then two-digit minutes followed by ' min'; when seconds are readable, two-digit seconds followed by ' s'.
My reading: 7 h 55 min
